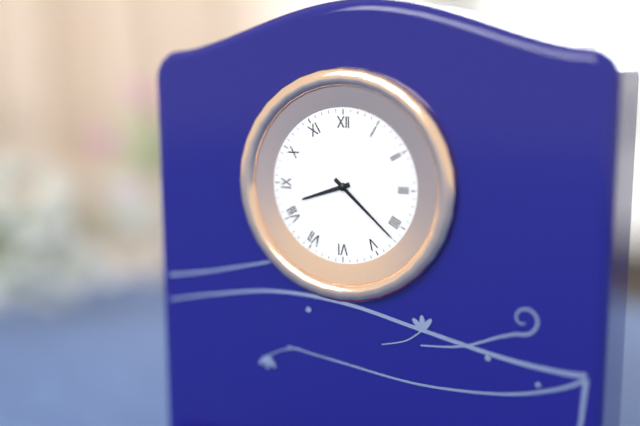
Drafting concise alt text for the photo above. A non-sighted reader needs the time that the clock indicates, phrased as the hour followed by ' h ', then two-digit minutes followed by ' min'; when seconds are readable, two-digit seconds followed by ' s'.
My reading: 8 h 22 min
